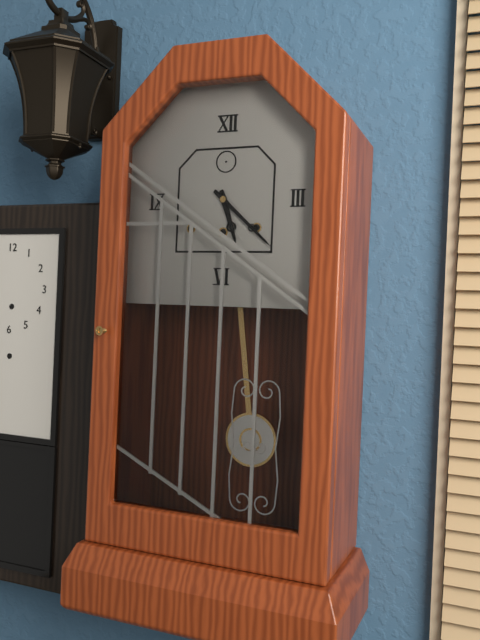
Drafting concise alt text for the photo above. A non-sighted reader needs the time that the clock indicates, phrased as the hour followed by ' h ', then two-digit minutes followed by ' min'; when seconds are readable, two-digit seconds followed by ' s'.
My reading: 5 h 22 min
